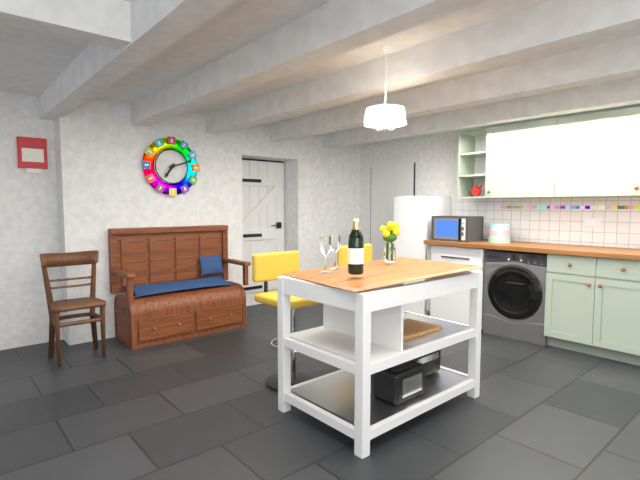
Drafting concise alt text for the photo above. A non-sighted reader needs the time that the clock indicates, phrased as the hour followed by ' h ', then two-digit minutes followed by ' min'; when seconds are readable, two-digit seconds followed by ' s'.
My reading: 7 h 12 min
